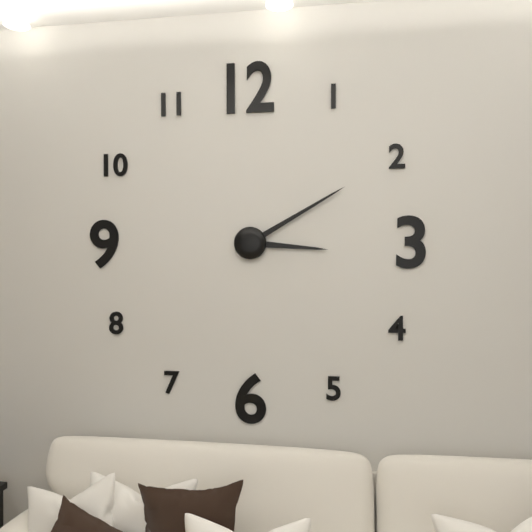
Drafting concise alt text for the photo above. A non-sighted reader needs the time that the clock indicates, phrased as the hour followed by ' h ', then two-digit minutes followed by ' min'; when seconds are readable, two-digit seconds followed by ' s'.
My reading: 3 h 10 min
